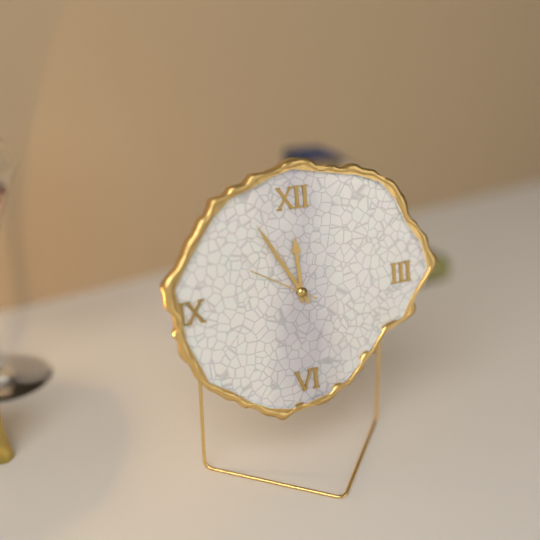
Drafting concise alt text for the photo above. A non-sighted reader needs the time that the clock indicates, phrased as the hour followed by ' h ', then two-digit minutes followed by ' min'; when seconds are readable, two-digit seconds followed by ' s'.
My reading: 11 h 55 min 50 s
